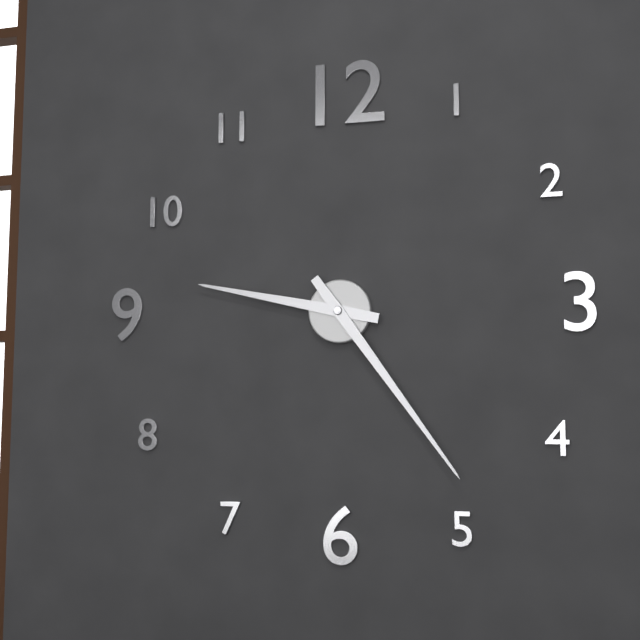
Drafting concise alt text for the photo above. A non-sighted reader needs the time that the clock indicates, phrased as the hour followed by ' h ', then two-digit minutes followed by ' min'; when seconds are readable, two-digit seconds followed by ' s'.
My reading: 9 h 24 min
